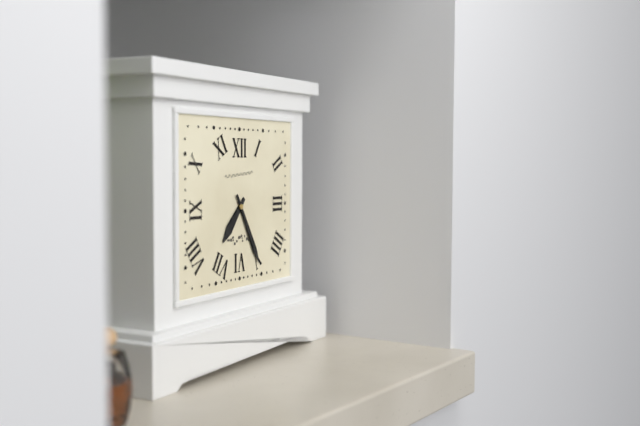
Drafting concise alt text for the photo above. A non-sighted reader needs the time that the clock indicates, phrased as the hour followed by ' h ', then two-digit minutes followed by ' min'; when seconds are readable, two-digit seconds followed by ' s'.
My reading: 7 h 25 min
